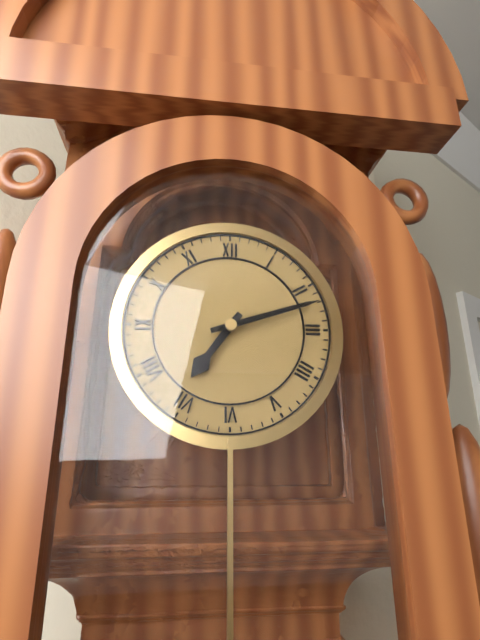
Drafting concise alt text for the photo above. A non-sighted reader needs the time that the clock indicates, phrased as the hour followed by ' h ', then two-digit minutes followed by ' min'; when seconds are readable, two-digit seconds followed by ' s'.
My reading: 7 h 12 min
